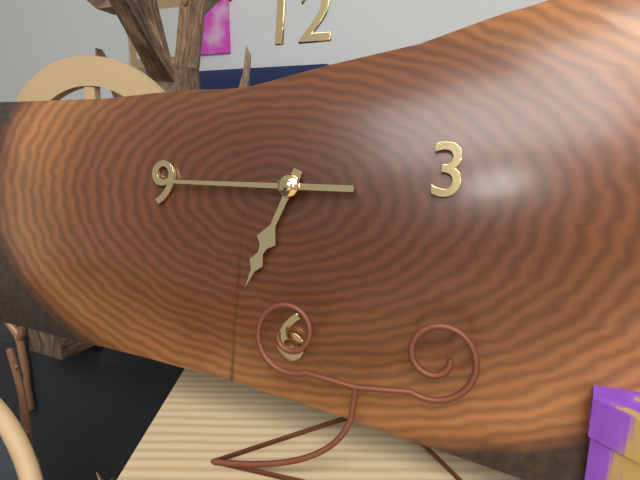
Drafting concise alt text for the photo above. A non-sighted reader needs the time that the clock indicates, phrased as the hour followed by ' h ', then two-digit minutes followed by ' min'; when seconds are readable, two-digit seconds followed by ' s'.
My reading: 6 h 45 min
